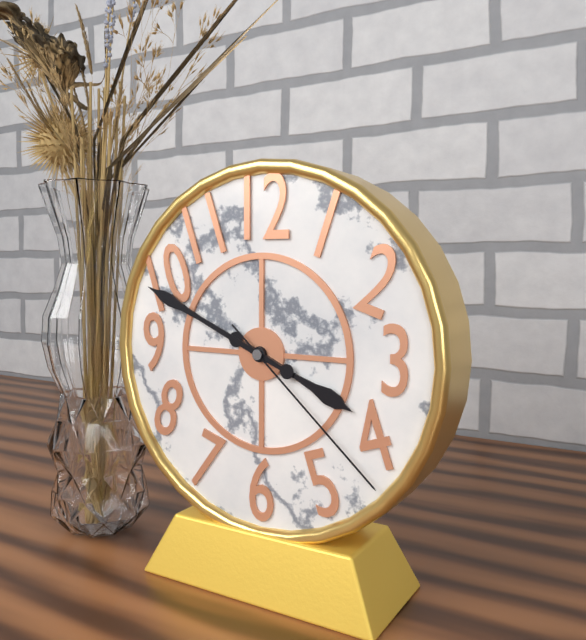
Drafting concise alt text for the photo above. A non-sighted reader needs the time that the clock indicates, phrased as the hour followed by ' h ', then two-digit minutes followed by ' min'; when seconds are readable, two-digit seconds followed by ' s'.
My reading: 3 h 49 min 22 s
